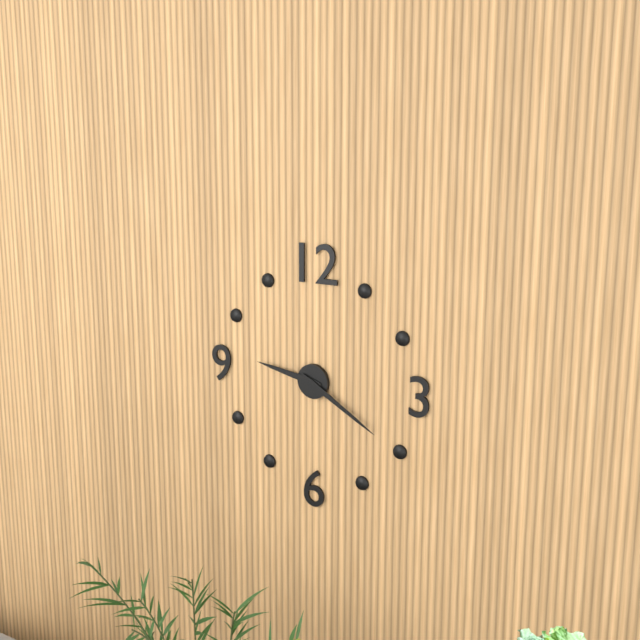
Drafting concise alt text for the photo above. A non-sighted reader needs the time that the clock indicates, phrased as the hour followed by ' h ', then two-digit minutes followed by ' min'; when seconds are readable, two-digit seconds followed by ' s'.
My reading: 9 h 20 min
